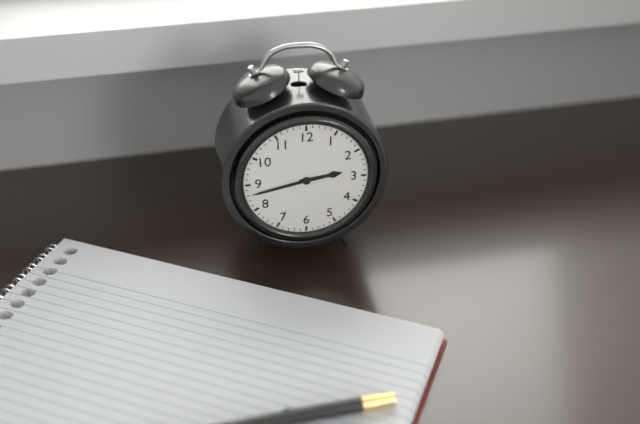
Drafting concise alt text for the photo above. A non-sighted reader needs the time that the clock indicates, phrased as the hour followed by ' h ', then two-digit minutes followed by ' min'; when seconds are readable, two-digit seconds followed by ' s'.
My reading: 2 h 43 min
